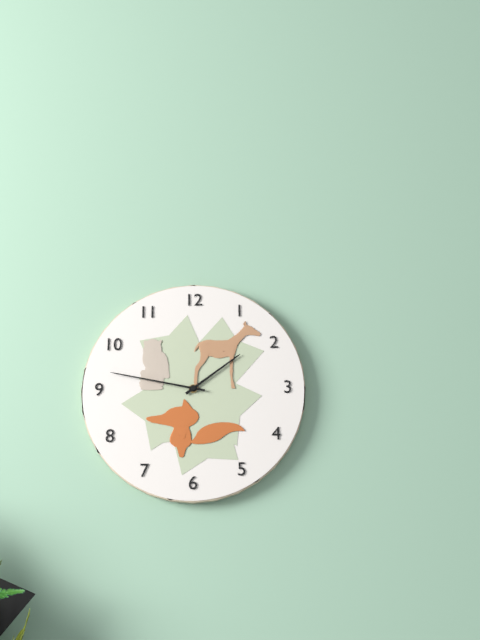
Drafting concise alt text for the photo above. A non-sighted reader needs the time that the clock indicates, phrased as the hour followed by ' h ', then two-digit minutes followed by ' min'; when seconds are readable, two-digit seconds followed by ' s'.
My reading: 1 h 47 min
